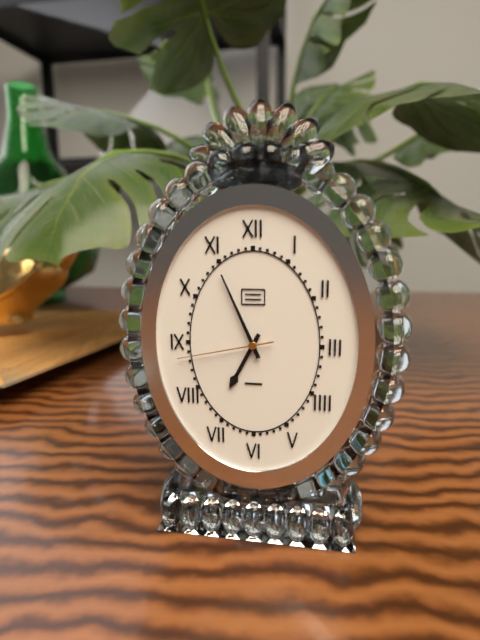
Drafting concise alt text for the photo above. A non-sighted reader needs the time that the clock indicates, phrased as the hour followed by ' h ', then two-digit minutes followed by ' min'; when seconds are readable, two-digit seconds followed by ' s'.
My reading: 6 h 56 min 43 s
